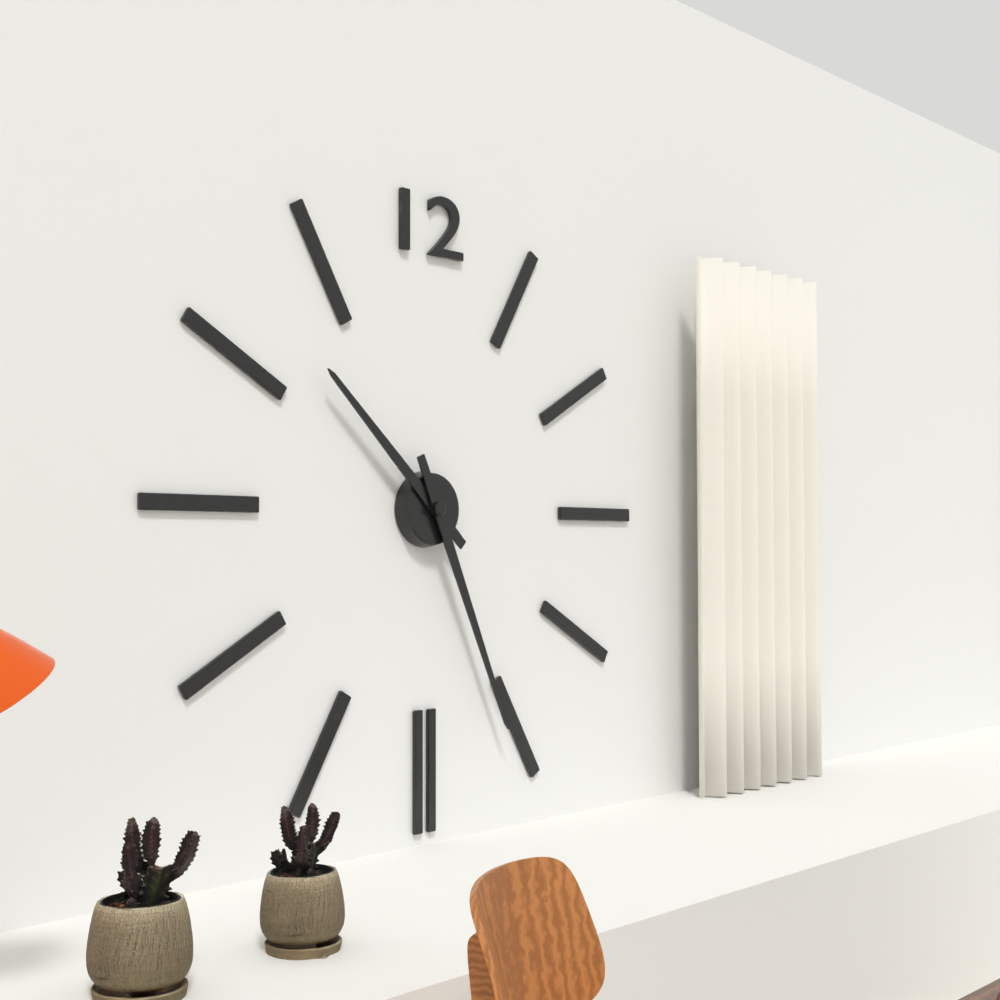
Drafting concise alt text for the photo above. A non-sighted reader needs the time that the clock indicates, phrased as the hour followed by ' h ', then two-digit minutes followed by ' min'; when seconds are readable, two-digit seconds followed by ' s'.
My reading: 10 h 26 min
